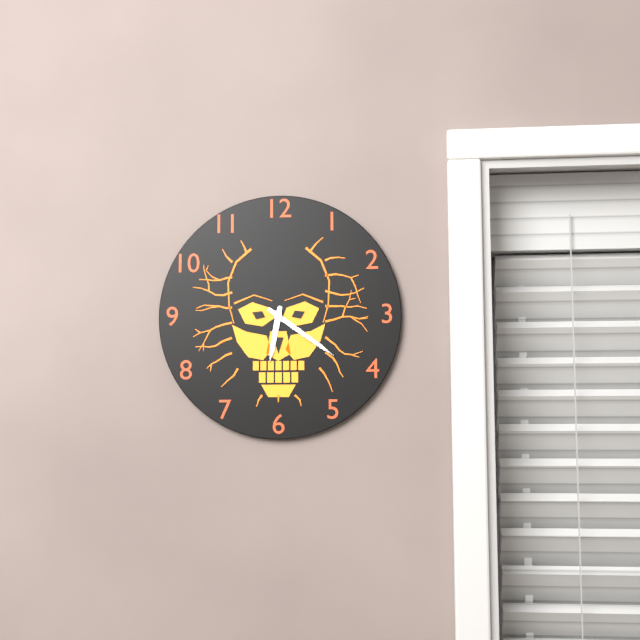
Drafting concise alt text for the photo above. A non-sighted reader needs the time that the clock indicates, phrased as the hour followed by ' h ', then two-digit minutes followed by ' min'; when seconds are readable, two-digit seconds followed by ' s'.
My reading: 6 h 21 min
